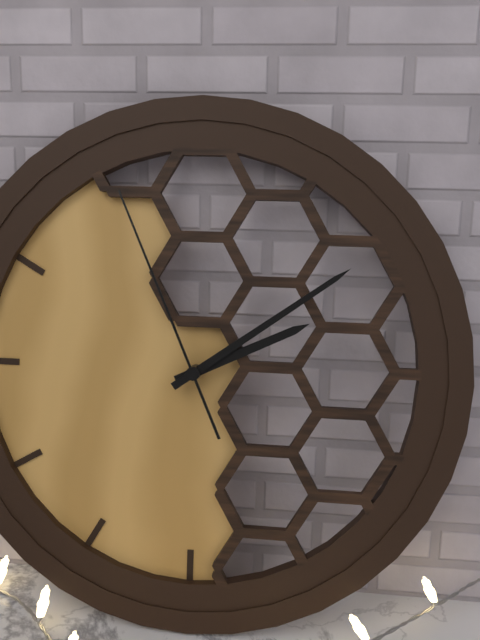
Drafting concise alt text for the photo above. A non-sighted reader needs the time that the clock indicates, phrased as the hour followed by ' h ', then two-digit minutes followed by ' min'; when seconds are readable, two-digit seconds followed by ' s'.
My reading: 2 h 09 min 56 s
